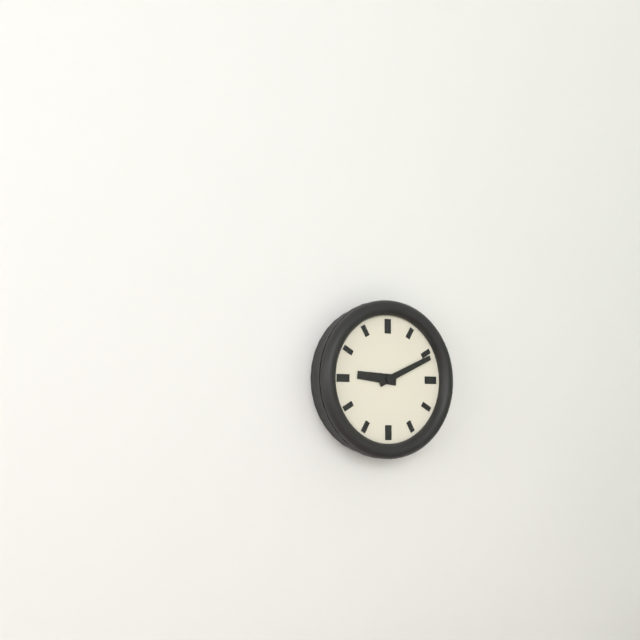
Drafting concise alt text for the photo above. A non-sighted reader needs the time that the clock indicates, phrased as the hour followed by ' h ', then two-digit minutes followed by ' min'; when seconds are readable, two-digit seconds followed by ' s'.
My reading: 9 h 11 min
